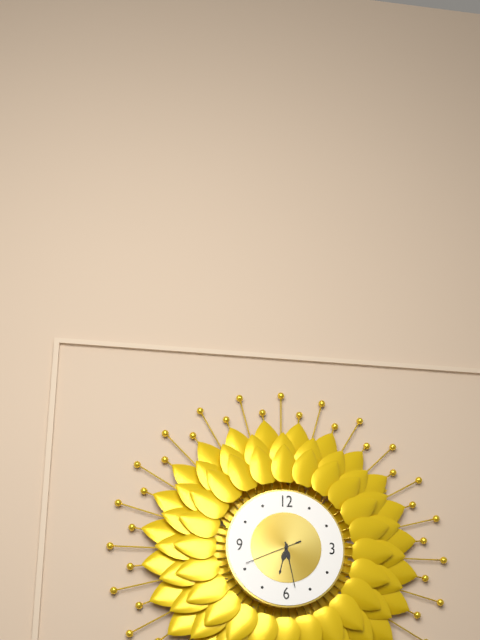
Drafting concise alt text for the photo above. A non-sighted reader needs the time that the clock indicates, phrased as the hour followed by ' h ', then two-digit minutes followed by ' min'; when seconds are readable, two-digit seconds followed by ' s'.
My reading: 6 h 28 min 41 s
